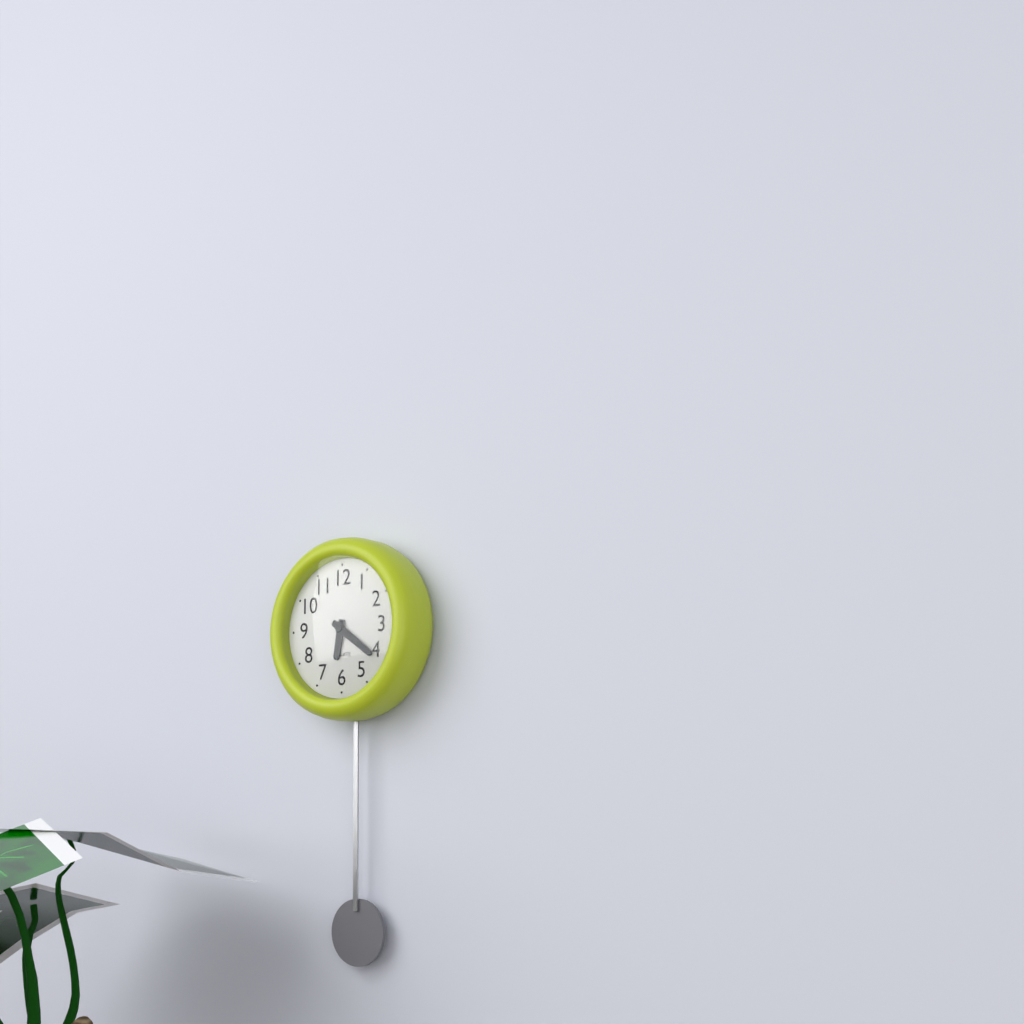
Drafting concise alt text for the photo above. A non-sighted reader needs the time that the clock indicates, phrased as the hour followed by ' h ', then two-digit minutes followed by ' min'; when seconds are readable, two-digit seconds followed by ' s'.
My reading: 6 h 21 min
